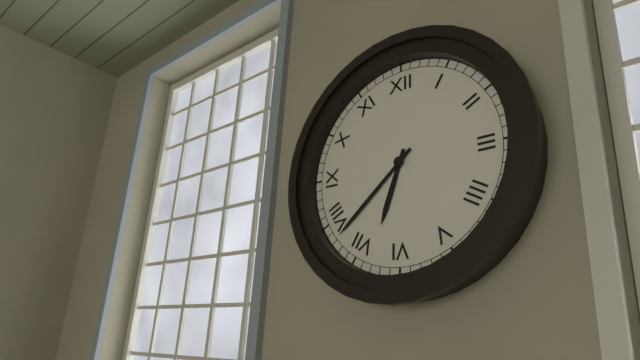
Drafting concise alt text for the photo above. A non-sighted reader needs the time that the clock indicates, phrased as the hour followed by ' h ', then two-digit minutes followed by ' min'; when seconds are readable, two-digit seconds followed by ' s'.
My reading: 6 h 38 min
